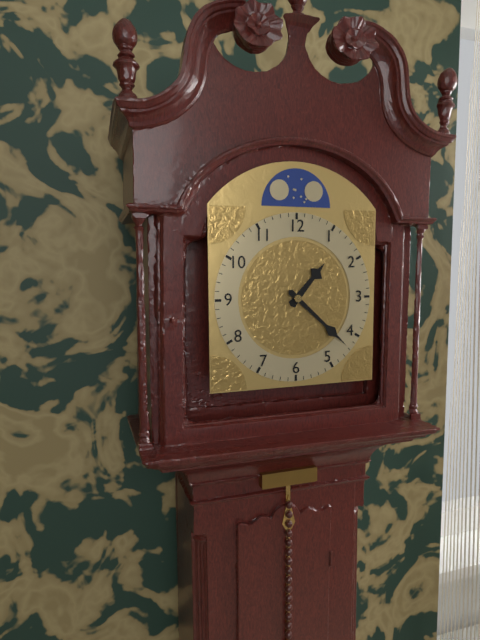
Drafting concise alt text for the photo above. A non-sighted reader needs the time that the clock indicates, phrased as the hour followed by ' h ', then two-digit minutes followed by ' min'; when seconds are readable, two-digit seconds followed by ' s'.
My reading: 1 h 22 min
